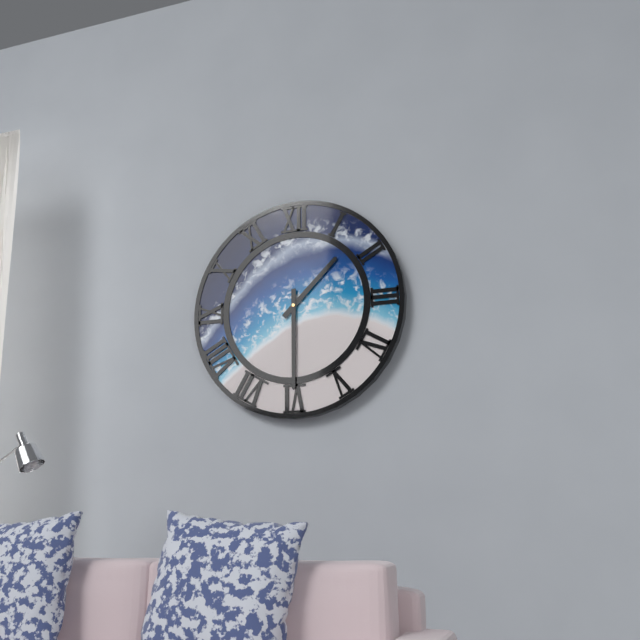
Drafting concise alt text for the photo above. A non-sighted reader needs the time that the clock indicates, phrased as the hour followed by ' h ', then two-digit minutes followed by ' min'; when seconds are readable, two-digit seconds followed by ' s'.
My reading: 1 h 30 min
